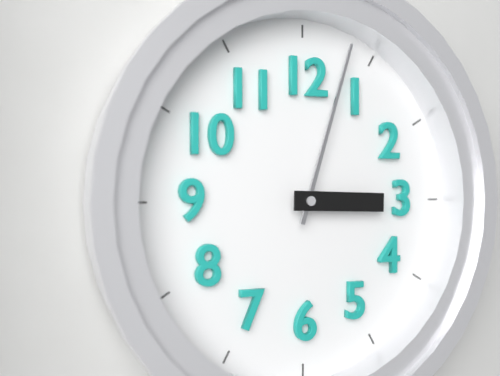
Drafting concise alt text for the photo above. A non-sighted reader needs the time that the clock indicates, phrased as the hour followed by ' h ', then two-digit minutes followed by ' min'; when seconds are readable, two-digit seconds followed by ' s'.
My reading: 3 h 03 min
